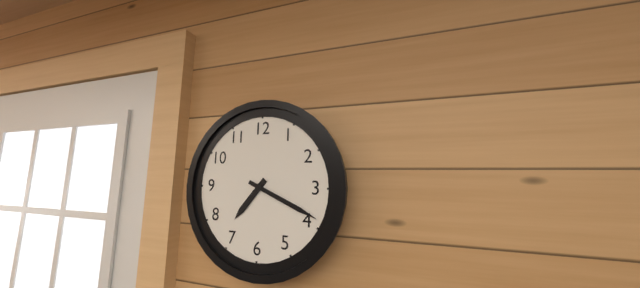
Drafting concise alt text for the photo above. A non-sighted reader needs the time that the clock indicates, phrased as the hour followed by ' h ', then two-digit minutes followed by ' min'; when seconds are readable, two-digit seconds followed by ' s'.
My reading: 7 h 19 min
